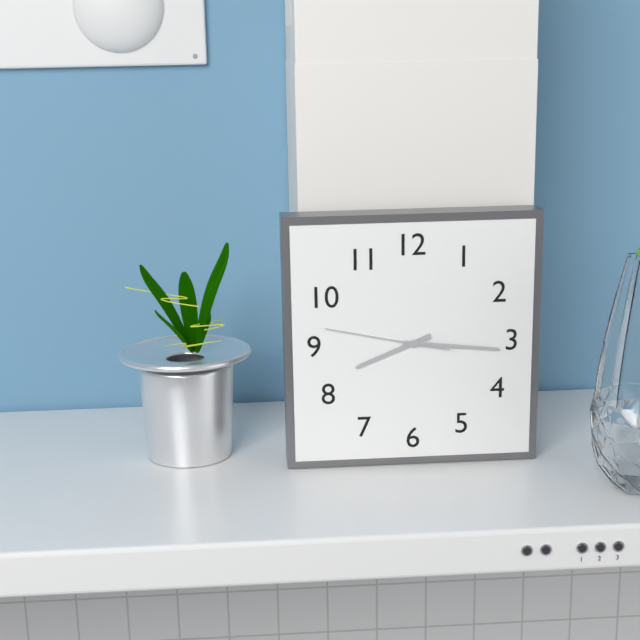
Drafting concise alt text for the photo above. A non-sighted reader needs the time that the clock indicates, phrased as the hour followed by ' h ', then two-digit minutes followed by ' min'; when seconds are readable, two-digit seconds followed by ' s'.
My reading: 8 h 16 min 47 s
